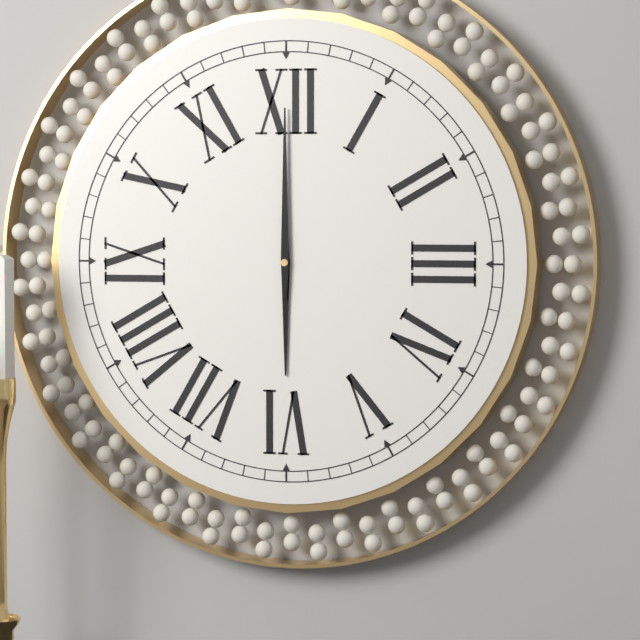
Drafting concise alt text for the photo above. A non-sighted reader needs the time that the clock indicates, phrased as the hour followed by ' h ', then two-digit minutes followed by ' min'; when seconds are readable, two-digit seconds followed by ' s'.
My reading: 6 h 00 min
